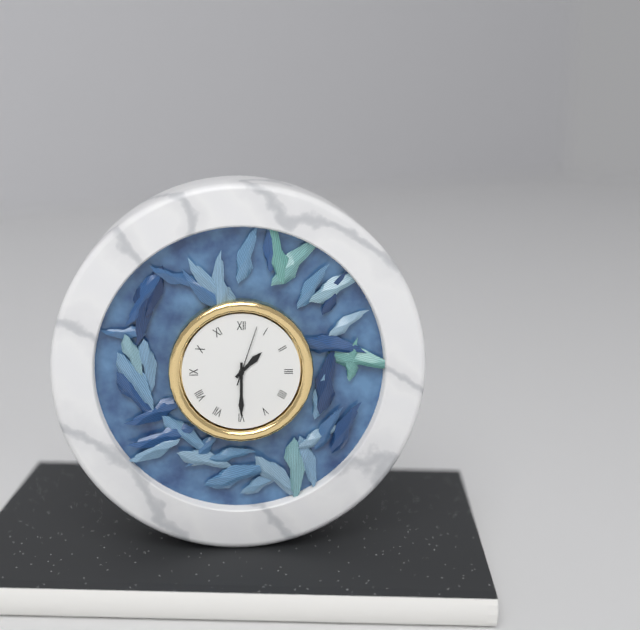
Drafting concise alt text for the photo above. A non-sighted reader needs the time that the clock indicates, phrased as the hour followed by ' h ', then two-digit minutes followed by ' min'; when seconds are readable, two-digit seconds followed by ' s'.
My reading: 1 h 30 min 03 s
